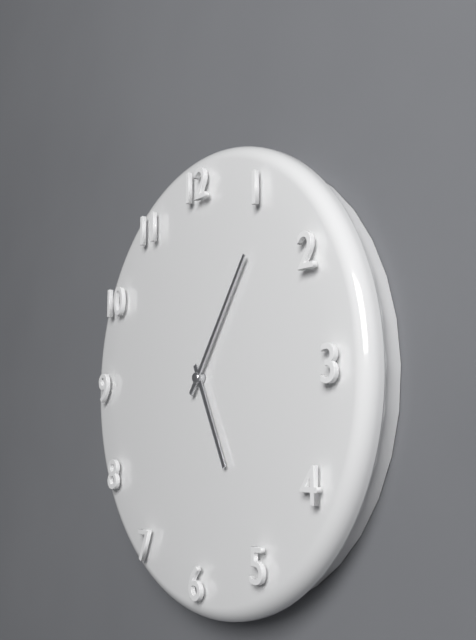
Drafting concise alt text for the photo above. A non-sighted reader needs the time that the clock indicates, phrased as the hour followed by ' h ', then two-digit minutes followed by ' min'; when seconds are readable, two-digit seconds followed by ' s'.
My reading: 5 h 06 min
